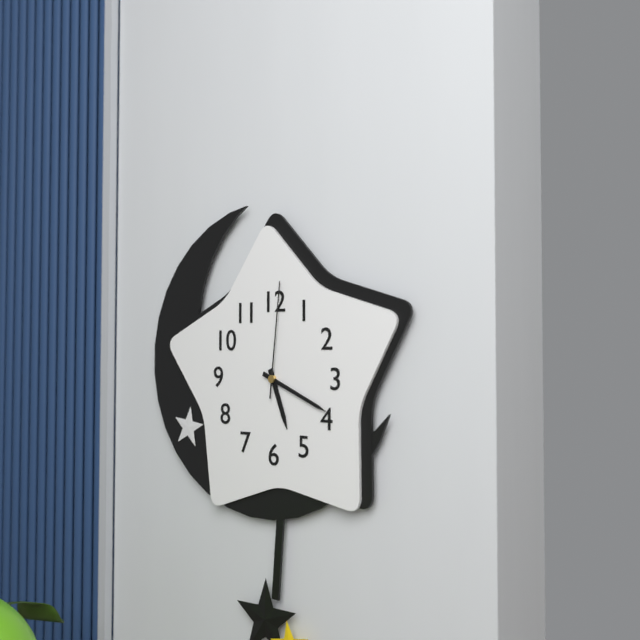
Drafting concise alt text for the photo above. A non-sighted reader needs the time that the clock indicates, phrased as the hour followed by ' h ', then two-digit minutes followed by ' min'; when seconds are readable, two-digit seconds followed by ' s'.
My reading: 5 h 19 min 01 s
